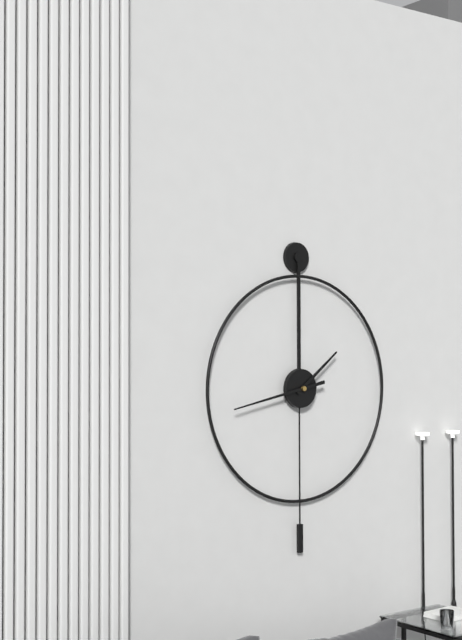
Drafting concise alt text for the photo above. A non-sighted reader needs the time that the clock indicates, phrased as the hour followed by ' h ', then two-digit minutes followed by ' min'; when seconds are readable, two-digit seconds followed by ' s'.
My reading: 1 h 43 min
